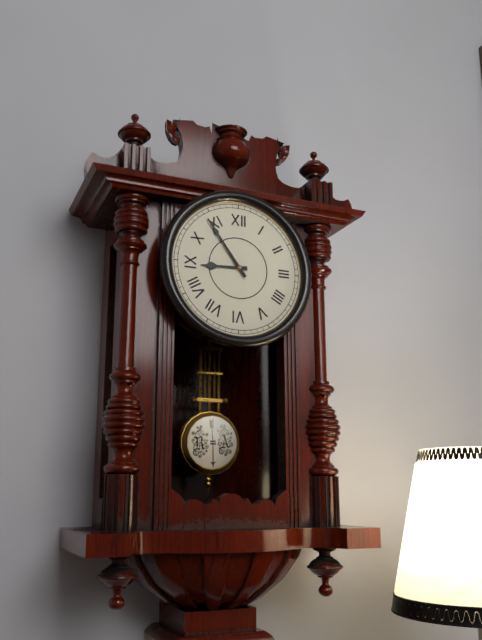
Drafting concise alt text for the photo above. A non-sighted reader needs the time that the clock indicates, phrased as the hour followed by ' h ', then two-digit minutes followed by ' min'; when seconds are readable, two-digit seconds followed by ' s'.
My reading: 8 h 54 min
